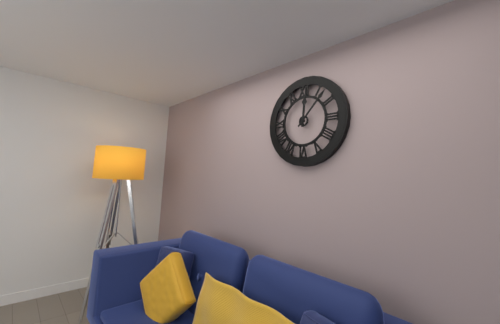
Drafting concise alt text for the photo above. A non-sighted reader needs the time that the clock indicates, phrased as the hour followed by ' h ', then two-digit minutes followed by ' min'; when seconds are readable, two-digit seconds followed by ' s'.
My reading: 12 h 07 min
